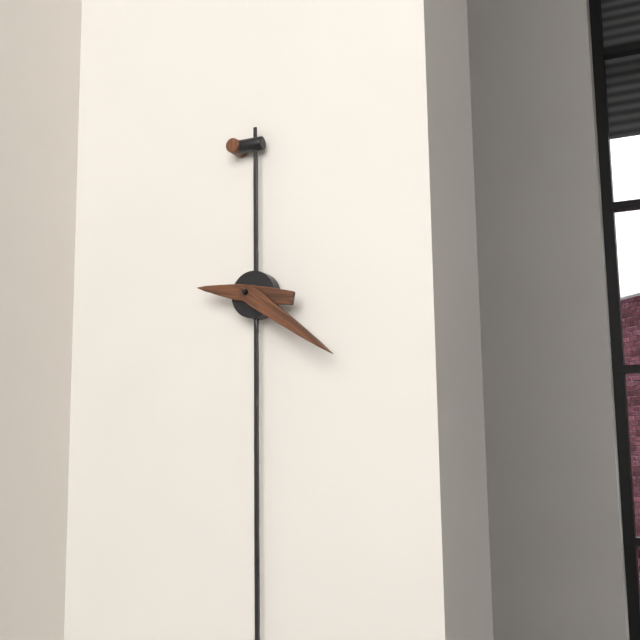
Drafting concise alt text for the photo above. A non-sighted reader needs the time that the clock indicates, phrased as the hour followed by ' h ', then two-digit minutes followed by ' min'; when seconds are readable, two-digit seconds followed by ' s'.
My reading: 9 h 21 min
